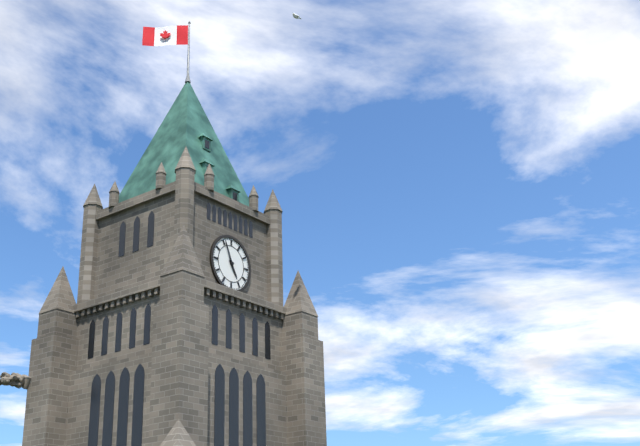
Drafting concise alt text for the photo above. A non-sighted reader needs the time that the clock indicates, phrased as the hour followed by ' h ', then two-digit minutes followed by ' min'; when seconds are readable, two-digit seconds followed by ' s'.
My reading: 4 h 56 min
